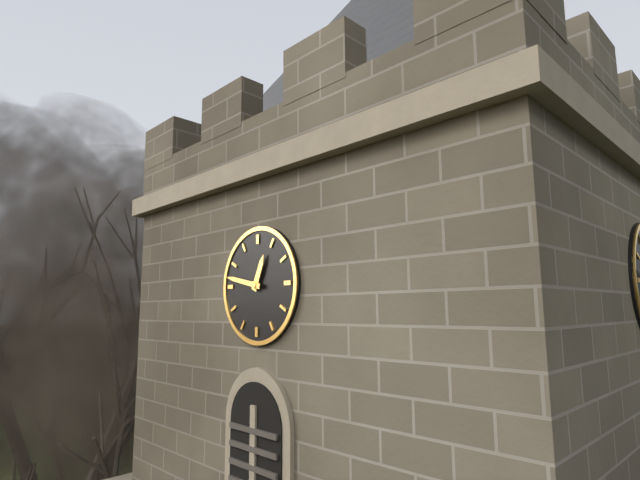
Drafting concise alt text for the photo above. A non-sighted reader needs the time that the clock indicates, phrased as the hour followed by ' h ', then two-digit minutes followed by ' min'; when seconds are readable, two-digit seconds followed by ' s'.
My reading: 12 h 47 min
